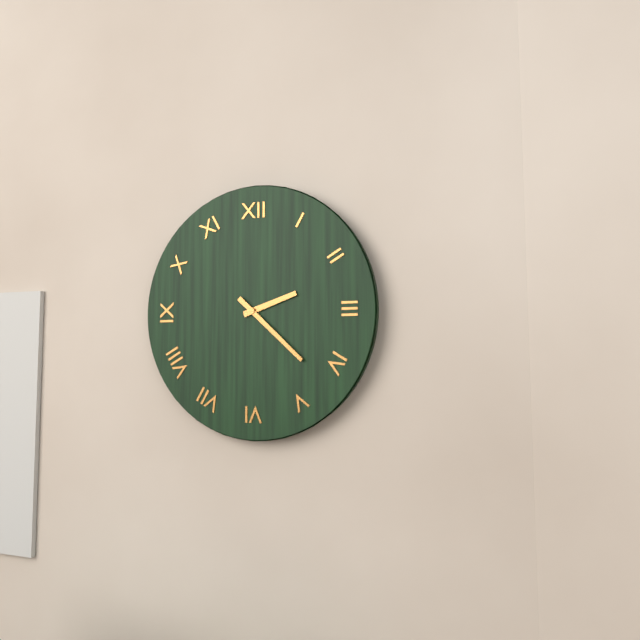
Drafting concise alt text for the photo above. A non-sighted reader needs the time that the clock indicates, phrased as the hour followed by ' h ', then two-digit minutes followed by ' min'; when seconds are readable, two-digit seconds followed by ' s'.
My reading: 2 h 22 min
